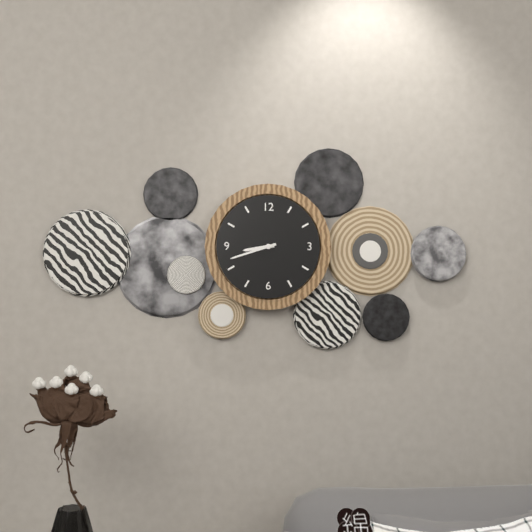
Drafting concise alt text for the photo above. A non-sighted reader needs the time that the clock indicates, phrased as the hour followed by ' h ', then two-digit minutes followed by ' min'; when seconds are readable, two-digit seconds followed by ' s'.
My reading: 8 h 42 min
